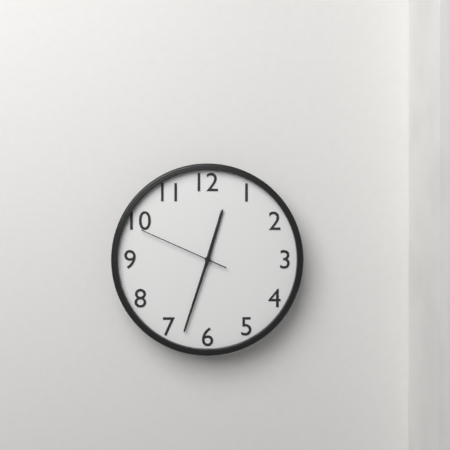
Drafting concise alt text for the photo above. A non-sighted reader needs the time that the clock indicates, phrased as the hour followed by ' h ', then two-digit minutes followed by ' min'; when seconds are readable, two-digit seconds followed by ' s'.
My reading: 12 h 33 min 49 s
